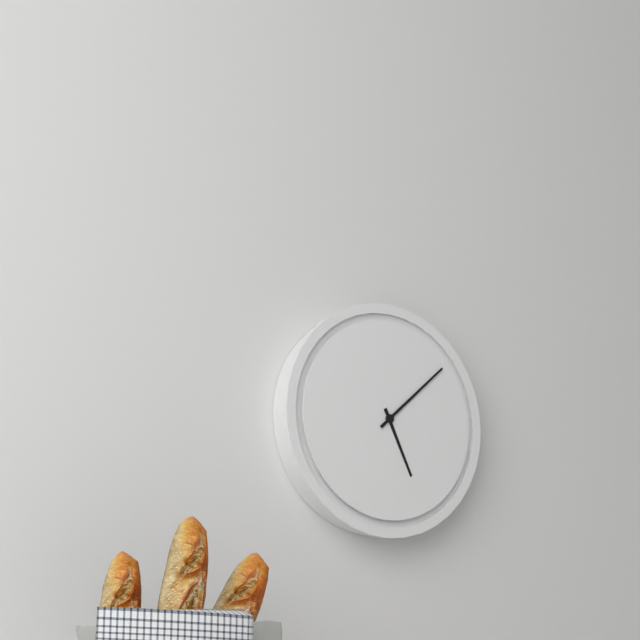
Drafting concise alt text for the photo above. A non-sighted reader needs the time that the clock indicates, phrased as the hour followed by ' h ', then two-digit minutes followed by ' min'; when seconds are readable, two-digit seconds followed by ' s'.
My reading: 5 h 08 min
